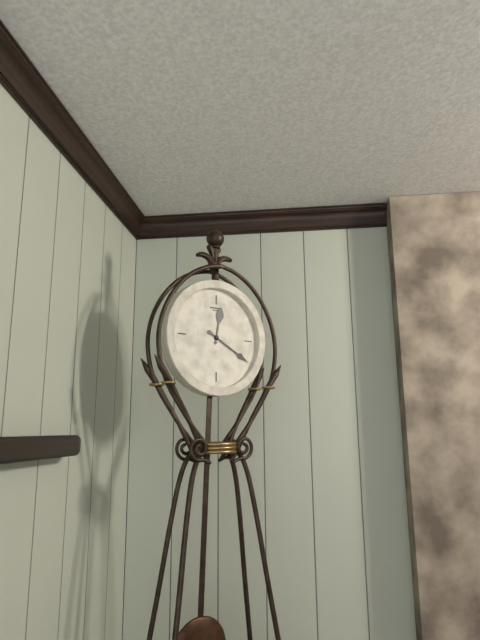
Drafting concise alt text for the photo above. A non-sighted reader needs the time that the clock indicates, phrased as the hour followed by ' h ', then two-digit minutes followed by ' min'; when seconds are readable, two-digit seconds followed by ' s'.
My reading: 12 h 20 min
